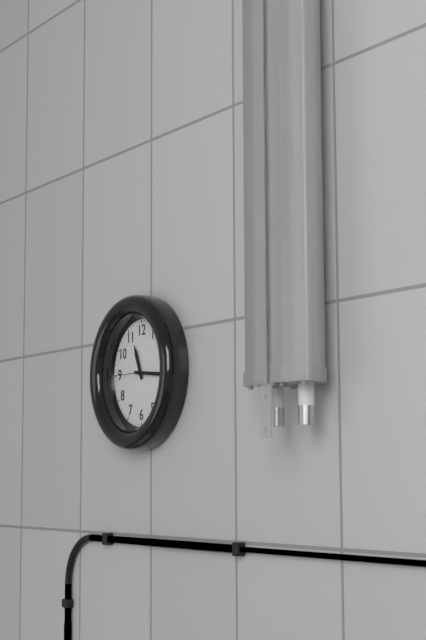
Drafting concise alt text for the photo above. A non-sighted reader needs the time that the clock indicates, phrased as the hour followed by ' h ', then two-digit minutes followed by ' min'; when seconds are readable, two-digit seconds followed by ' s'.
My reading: 11 h 16 min
